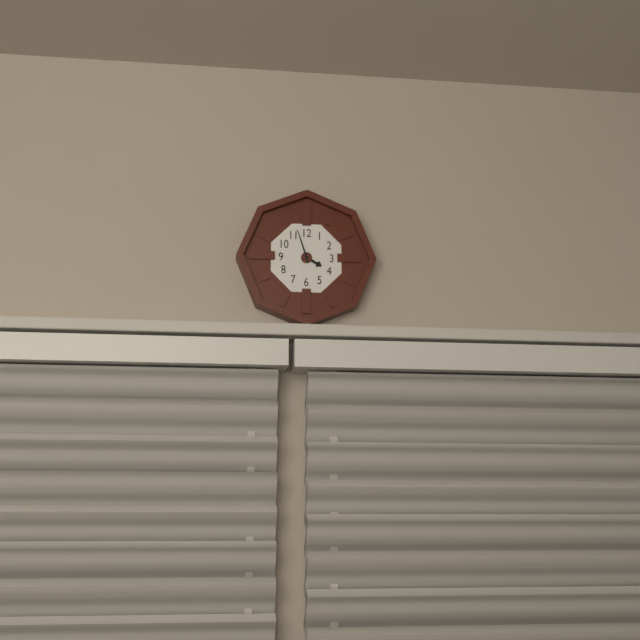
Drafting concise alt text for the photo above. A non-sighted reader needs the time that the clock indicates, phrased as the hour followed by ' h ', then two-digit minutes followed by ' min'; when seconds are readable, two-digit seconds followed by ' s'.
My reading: 3 h 57 min
